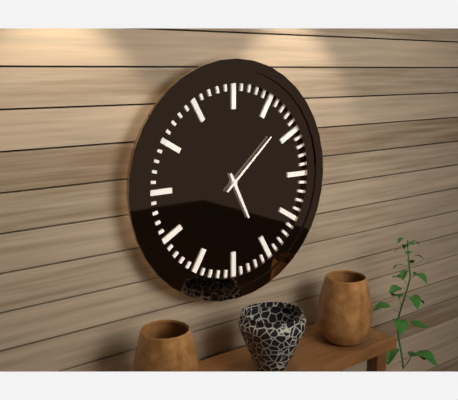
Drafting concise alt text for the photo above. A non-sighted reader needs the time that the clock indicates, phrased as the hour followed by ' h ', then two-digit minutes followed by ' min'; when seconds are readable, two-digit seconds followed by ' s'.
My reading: 5 h 08 min
